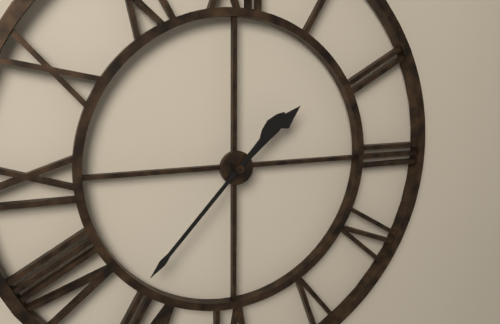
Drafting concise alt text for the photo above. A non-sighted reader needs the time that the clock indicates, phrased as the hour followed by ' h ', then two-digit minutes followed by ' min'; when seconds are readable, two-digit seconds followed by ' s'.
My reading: 1 h 37 min
